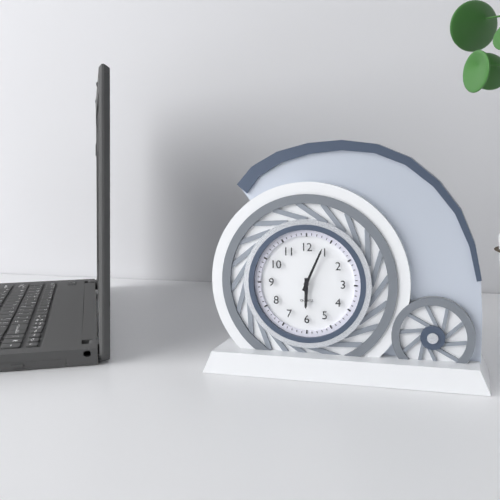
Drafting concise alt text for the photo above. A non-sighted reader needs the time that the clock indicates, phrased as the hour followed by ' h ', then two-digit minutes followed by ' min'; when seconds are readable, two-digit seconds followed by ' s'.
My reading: 6 h 04 min
